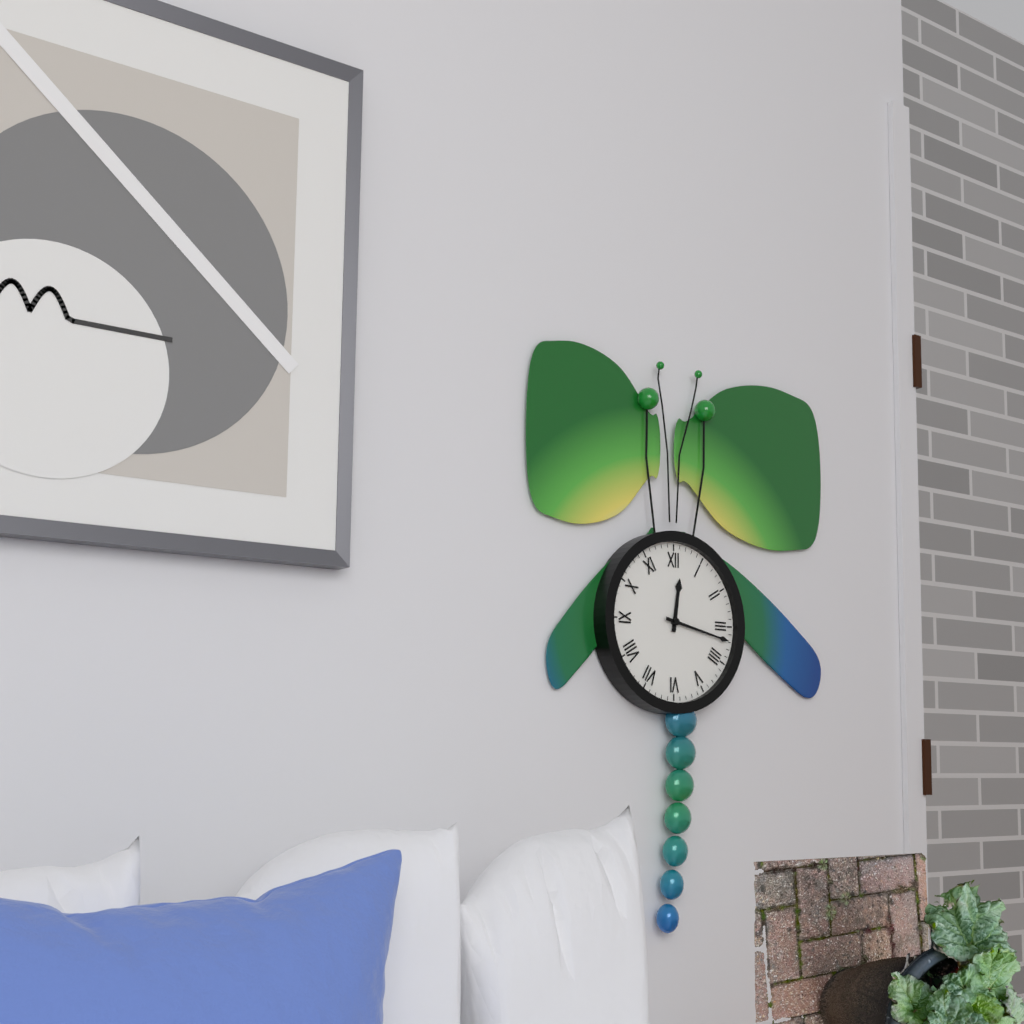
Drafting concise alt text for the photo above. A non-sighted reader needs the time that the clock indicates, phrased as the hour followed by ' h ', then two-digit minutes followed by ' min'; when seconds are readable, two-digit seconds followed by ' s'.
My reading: 12 h 17 min
